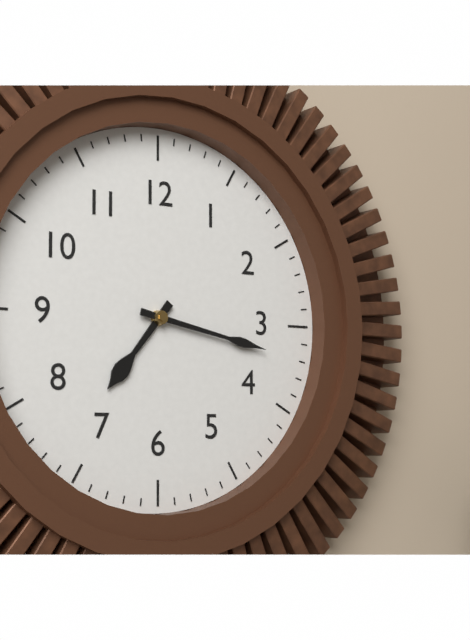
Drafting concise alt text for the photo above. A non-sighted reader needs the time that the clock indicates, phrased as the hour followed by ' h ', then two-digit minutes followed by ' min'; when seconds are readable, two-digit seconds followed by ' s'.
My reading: 7 h 17 min
